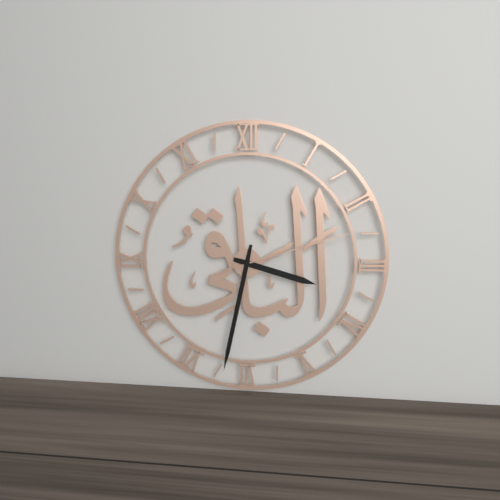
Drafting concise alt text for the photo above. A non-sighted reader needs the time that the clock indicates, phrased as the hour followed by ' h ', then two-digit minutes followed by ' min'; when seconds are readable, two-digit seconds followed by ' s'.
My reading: 3 h 32 min 12 s
